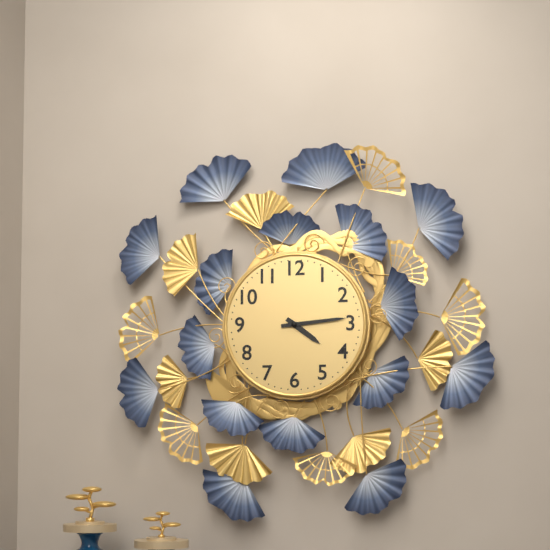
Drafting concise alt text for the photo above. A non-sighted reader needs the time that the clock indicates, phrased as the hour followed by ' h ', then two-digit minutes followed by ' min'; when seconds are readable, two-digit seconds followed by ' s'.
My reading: 4 h 14 min
